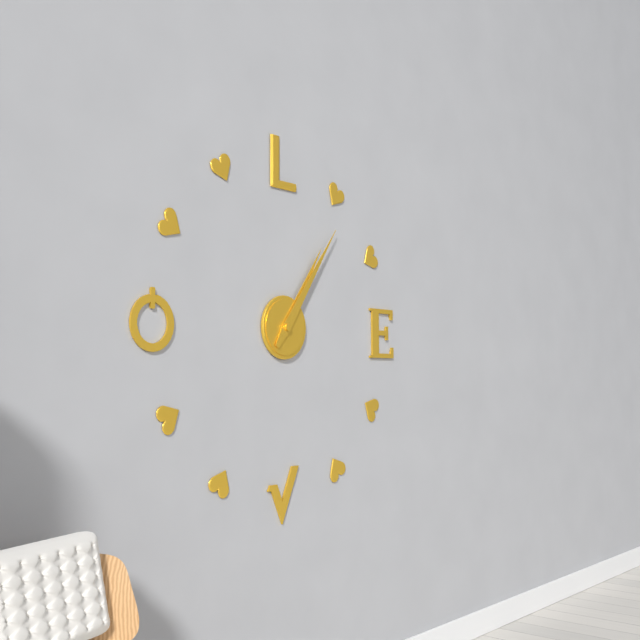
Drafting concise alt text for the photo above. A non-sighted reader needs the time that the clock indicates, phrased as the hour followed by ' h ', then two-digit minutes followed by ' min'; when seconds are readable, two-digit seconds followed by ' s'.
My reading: 1 h 06 min
